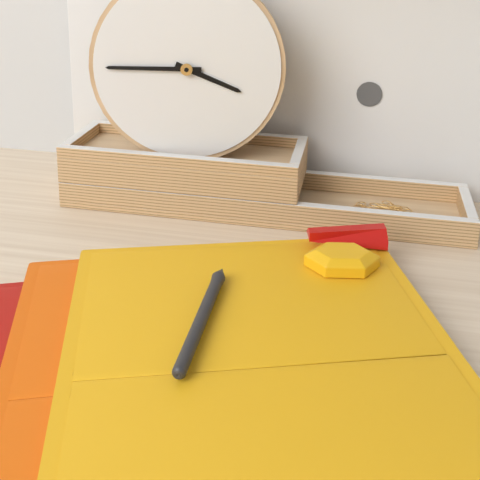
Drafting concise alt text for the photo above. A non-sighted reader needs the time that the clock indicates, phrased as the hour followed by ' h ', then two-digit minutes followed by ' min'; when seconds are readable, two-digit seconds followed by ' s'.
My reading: 3 h 45 min
